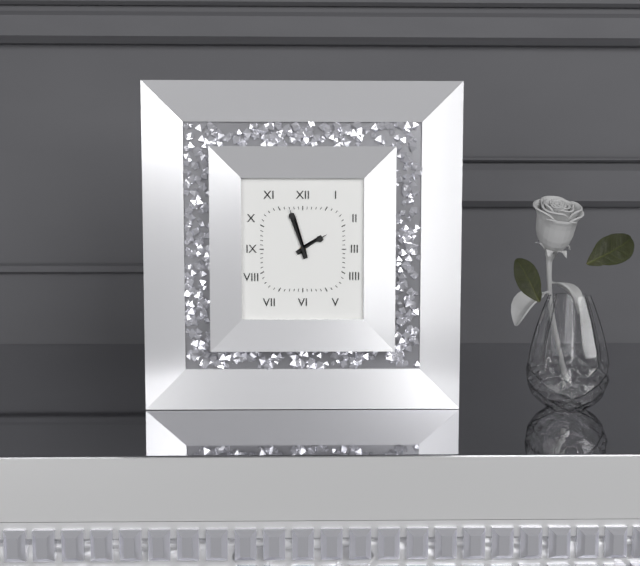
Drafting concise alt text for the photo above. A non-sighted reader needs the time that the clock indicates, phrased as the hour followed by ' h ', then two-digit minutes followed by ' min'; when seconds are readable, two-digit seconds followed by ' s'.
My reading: 1 h 57 min
